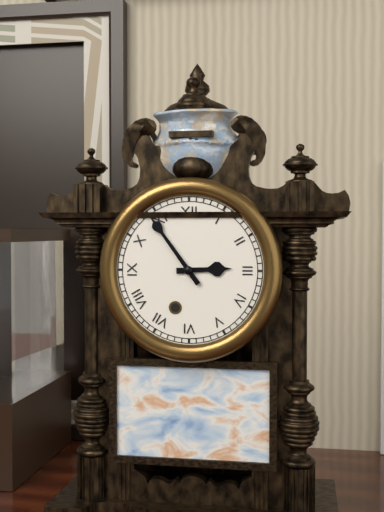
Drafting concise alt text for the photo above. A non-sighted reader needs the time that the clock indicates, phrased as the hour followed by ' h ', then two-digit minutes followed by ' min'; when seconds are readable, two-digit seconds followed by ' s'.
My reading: 2 h 54 min
